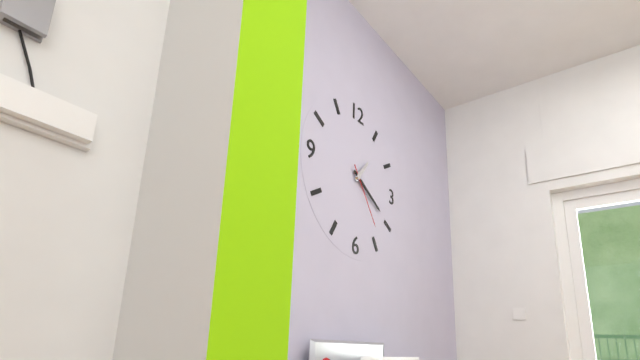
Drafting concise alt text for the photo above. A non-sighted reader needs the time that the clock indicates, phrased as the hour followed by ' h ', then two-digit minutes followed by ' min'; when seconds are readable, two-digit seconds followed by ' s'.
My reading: 1 h 20 min 24 s
